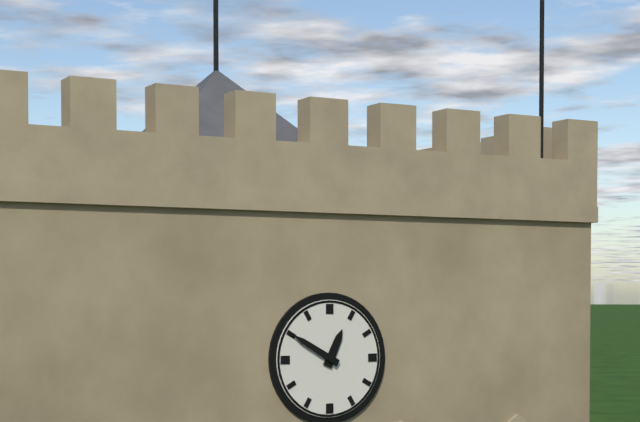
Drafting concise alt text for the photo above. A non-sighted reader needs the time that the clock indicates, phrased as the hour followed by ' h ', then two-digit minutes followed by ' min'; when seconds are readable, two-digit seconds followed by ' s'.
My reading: 12 h 50 min
